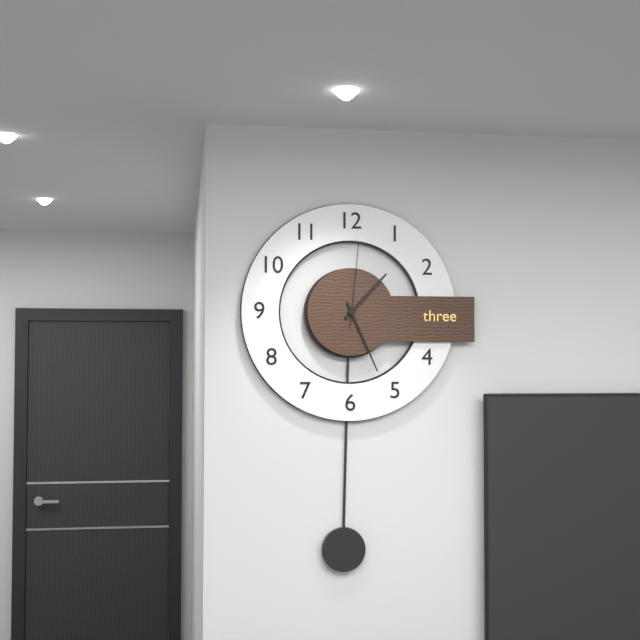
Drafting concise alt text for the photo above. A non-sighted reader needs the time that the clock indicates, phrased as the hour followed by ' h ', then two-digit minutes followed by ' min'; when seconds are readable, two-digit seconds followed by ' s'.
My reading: 1 h 26 min 01 s
